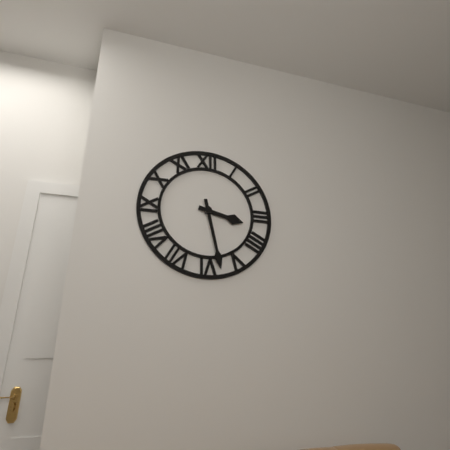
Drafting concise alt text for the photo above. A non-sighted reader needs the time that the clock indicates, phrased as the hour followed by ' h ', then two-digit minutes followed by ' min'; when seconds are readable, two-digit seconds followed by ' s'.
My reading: 3 h 28 min
